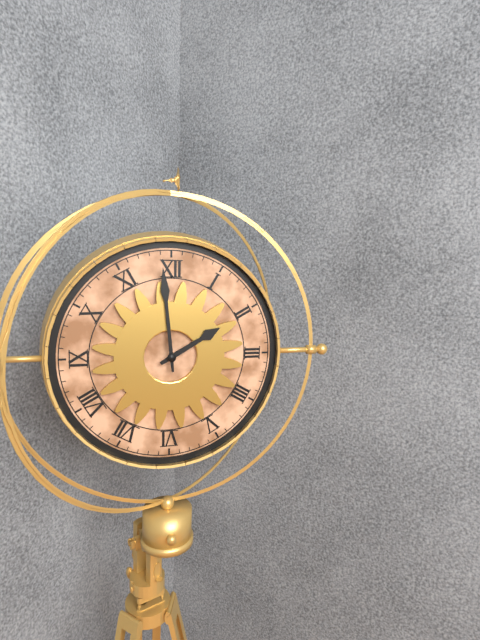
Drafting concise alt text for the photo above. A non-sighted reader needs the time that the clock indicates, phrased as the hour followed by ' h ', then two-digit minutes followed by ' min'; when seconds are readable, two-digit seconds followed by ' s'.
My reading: 1 h 59 min
